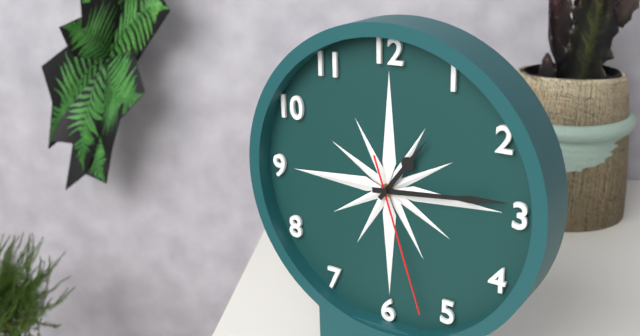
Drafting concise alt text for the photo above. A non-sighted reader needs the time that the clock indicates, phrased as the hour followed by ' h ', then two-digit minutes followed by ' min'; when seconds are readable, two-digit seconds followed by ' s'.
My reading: 1 h 14 min 27 s
